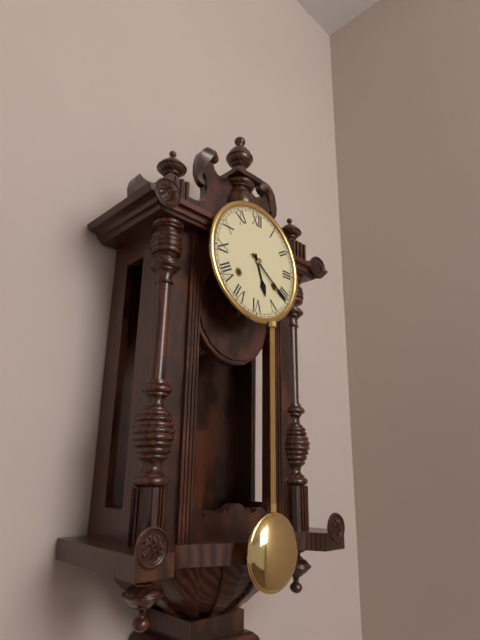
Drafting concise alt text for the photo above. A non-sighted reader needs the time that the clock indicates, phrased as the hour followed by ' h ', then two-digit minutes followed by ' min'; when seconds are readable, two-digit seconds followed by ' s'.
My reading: 5 h 21 min
